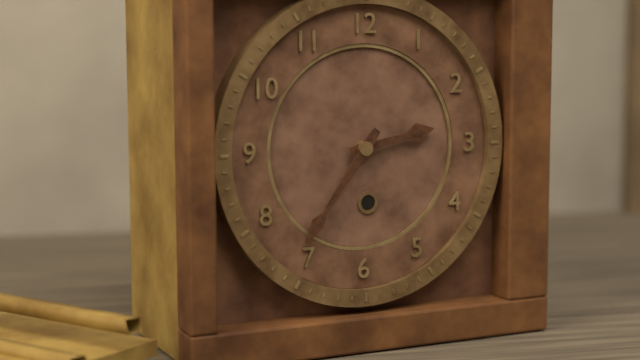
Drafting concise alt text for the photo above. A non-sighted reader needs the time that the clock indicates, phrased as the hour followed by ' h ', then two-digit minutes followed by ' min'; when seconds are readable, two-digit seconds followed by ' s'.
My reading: 2 h 36 min
